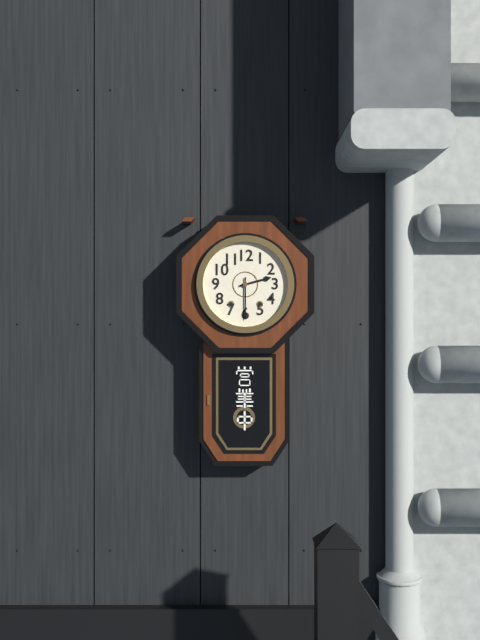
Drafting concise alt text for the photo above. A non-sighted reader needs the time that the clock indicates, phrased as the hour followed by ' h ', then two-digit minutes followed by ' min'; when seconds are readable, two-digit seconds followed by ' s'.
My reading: 2 h 30 min
